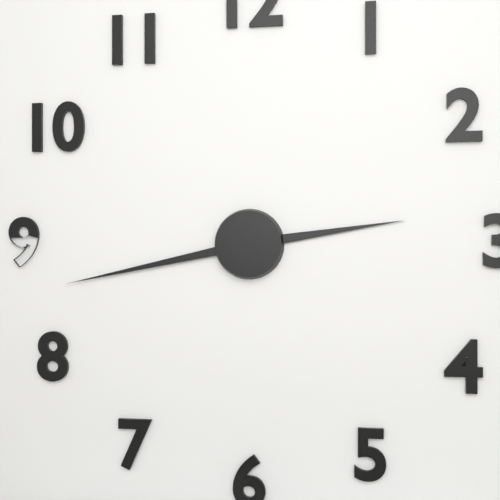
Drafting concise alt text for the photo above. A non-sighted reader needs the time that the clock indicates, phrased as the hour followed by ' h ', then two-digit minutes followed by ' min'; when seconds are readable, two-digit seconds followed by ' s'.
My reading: 2 h 43 min
